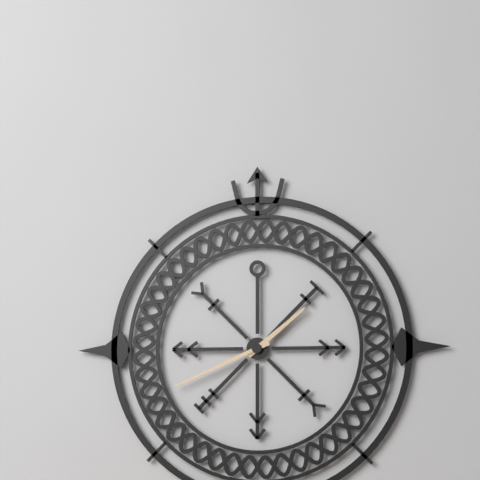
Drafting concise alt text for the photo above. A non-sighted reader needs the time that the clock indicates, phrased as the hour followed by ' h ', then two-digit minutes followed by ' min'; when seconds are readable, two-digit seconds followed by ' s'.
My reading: 1 h 41 min
